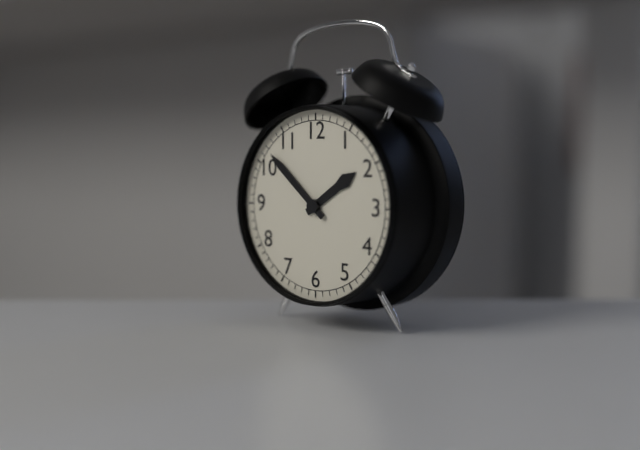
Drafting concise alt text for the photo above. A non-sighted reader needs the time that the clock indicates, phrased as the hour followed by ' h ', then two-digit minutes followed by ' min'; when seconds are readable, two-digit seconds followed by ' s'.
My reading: 1 h 52 min
